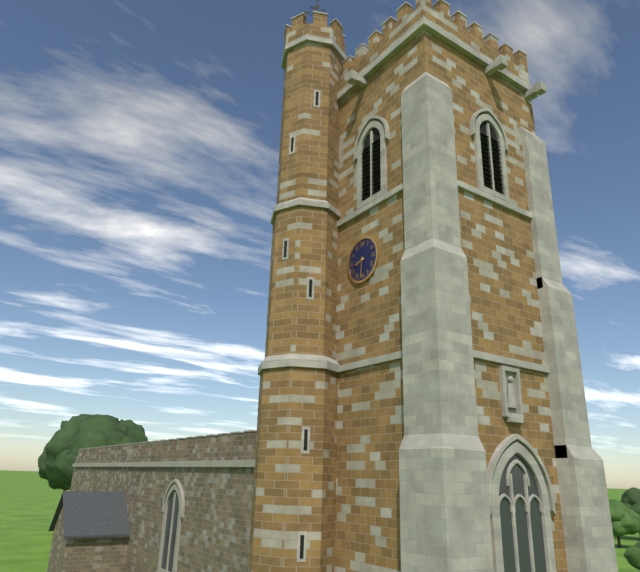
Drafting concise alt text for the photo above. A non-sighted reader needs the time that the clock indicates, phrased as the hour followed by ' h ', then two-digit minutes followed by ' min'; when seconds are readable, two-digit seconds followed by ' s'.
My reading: 8 h 31 min
